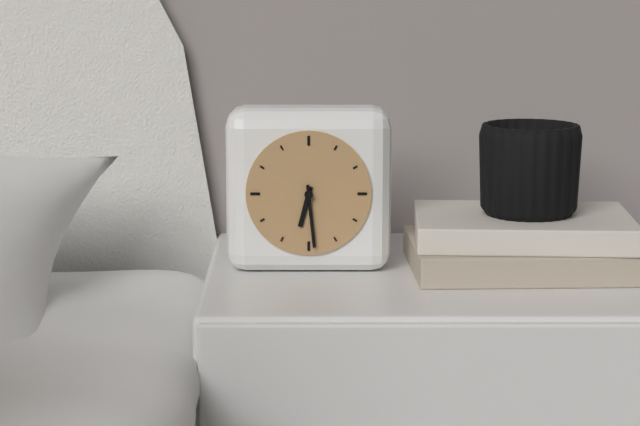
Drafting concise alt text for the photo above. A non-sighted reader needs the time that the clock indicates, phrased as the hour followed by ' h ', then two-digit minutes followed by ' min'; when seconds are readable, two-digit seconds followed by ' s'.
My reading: 6 h 29 min
